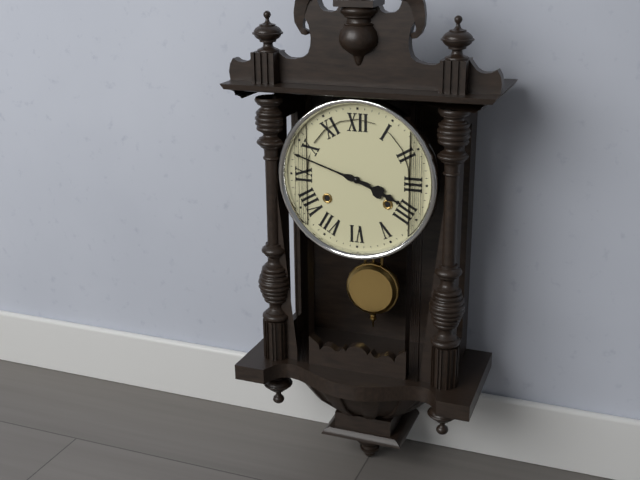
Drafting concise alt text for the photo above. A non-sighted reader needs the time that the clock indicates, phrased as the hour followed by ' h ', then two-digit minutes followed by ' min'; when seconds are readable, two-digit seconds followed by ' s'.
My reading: 3 h 48 min
